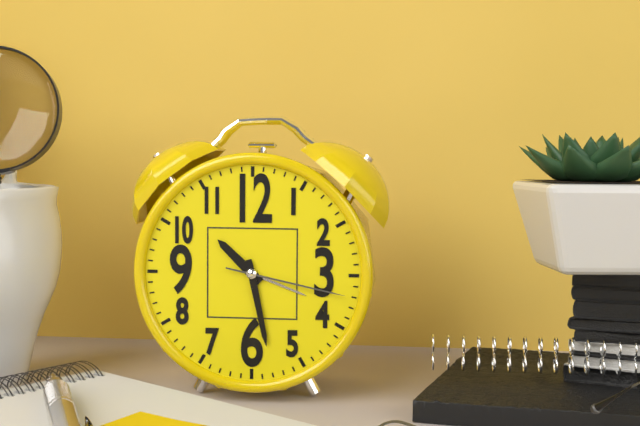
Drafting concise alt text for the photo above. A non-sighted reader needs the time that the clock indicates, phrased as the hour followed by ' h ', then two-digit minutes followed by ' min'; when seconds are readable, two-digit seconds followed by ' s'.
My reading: 10 h 28 min 17 s
